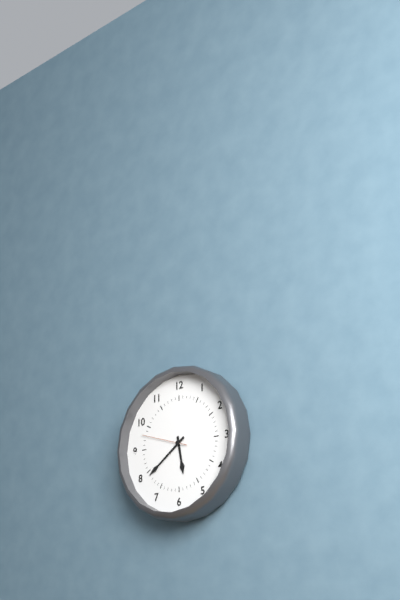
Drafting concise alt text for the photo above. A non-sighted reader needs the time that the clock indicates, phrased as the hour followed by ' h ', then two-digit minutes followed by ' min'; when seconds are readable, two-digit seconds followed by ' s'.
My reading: 5 h 39 min
